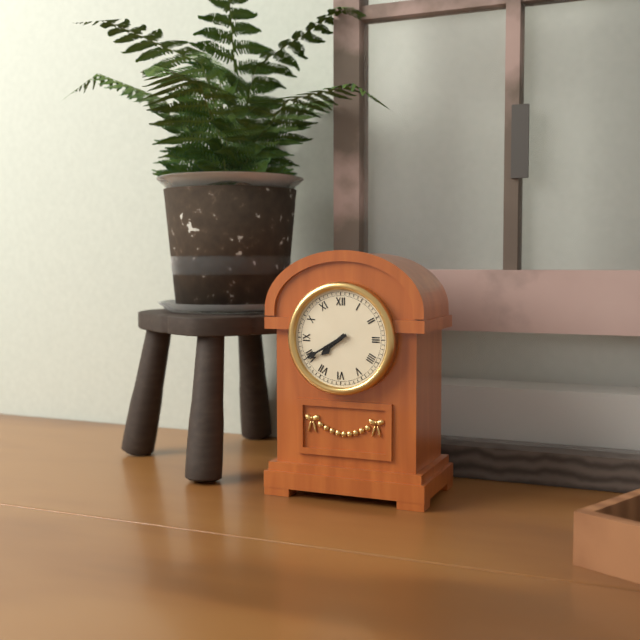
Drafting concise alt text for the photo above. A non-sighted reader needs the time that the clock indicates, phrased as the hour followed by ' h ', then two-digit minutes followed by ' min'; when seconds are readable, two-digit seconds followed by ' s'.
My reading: 7 h 40 min
